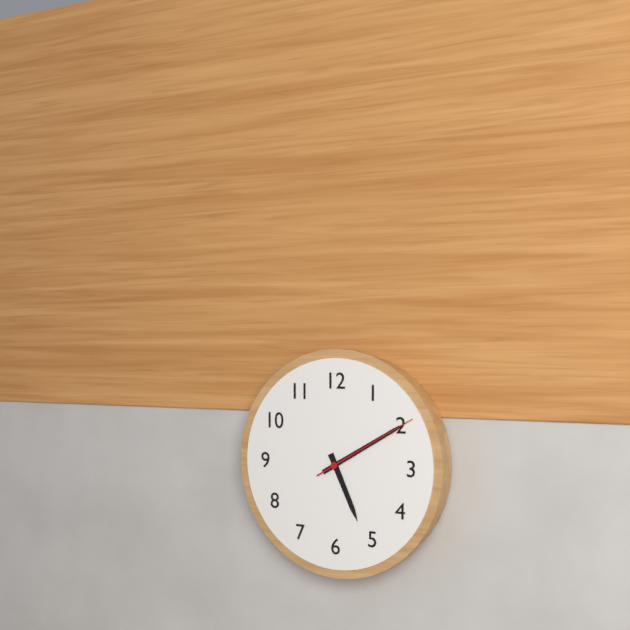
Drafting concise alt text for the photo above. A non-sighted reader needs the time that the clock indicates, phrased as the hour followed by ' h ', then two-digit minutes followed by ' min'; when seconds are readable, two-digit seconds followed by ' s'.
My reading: 5 h 10 min 10 s
